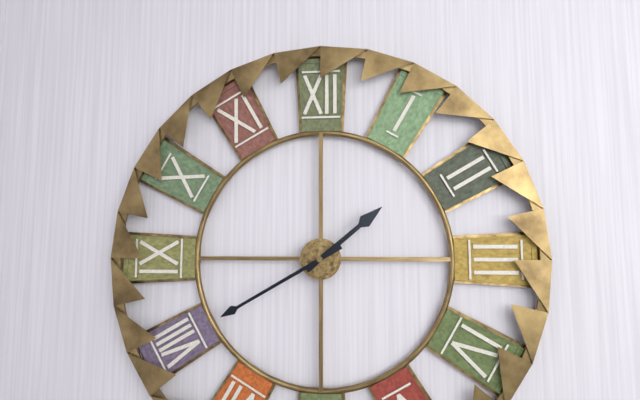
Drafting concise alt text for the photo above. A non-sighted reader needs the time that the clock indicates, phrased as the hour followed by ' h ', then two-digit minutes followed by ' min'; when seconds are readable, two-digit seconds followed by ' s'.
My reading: 1 h 40 min
